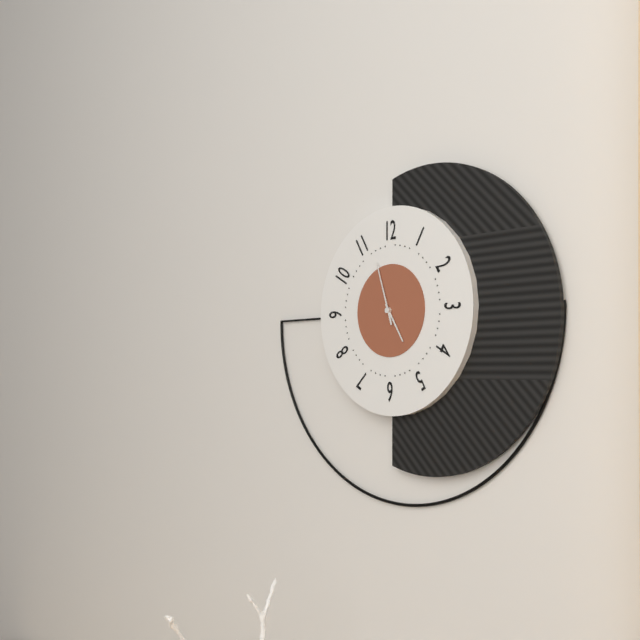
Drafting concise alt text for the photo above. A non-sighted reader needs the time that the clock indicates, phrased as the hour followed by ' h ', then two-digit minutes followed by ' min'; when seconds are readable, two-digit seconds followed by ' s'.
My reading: 4 h 57 min
